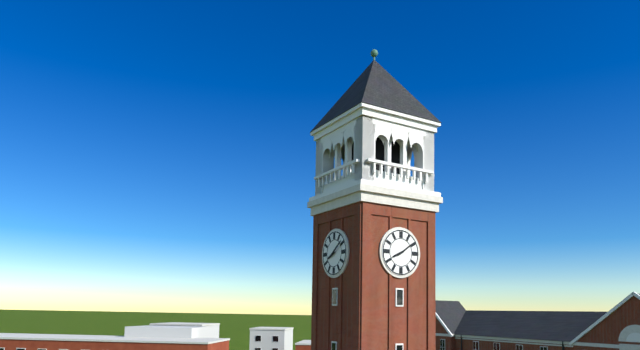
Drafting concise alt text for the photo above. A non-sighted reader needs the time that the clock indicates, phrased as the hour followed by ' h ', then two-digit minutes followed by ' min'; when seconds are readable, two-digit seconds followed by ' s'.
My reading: 8 h 09 min
